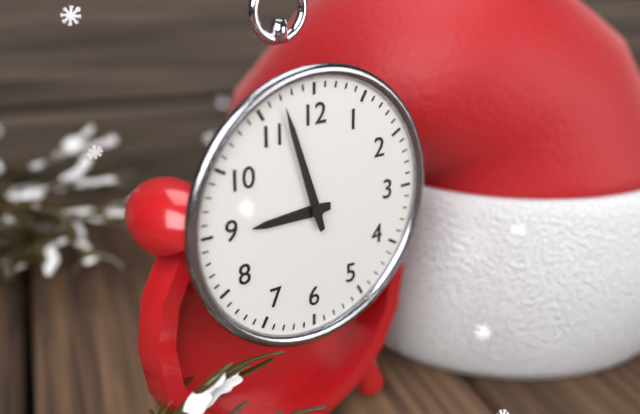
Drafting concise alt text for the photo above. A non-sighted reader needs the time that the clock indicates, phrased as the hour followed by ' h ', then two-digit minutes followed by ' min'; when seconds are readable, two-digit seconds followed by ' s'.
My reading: 8 h 57 min
